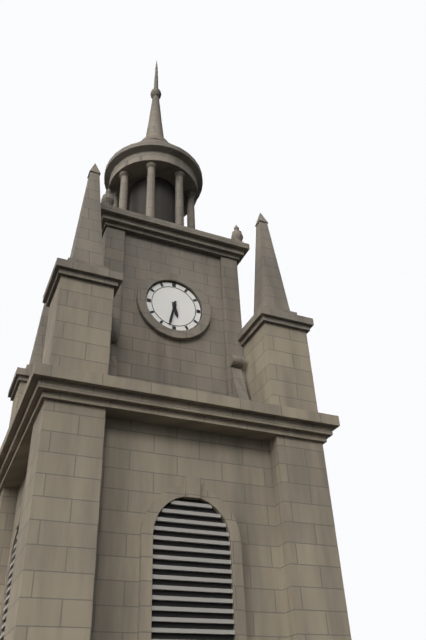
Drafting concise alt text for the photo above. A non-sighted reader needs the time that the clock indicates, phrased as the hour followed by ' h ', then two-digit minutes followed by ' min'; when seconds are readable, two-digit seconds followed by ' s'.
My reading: 5 h 32 min
